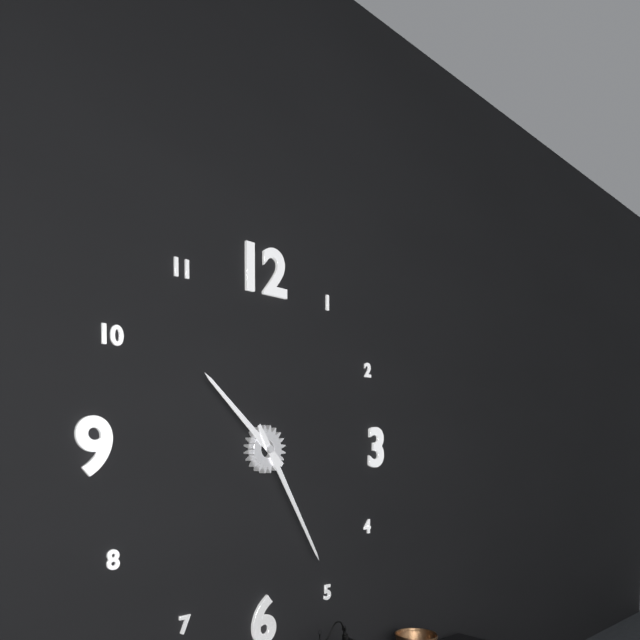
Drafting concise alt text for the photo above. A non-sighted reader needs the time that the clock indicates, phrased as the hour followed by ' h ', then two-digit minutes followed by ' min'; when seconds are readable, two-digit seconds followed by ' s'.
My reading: 10 h 25 min
